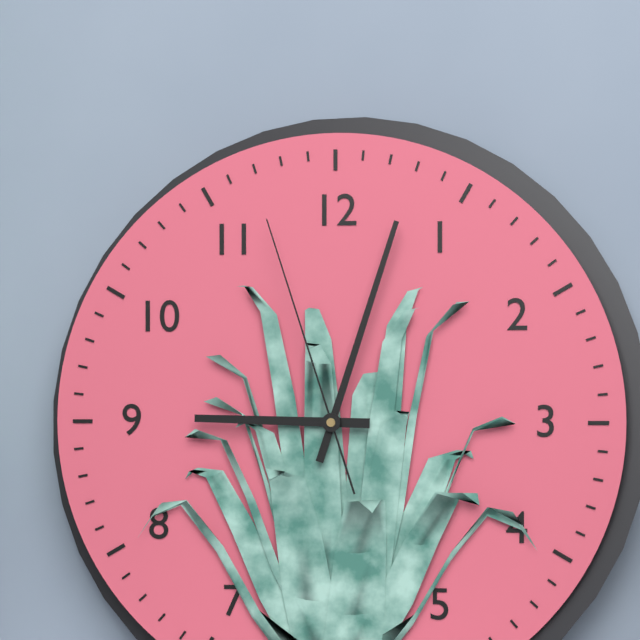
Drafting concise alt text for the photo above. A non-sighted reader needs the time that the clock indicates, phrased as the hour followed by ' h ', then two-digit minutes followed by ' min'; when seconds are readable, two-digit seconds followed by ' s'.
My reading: 9 h 03 min 57 s
